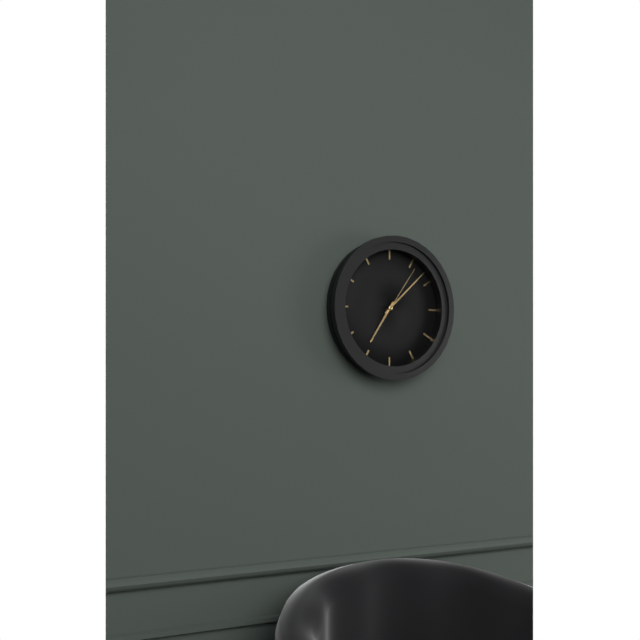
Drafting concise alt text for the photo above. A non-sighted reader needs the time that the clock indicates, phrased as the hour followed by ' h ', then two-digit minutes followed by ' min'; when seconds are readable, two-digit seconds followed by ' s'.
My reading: 7 h 08 min 06 s
